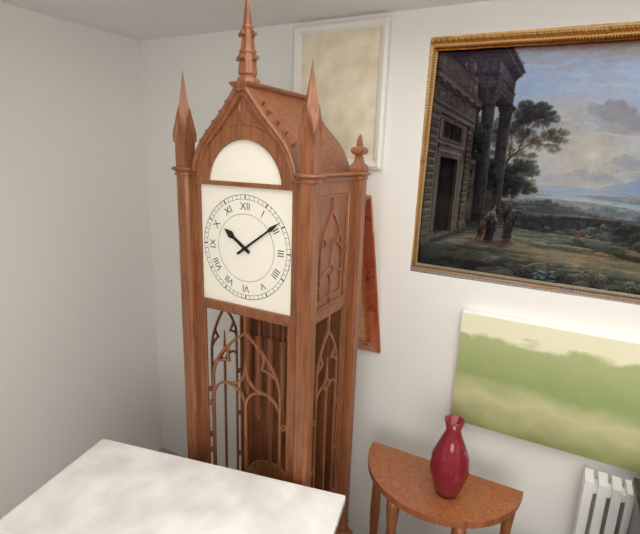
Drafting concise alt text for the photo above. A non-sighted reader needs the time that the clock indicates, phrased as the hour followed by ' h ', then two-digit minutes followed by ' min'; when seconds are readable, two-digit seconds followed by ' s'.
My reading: 10 h 09 min
